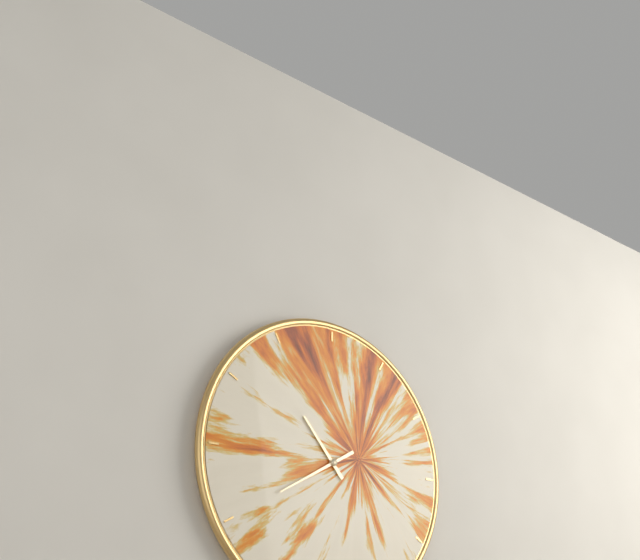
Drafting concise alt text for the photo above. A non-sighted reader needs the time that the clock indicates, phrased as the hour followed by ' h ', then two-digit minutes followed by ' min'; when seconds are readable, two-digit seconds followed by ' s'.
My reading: 10 h 40 min
